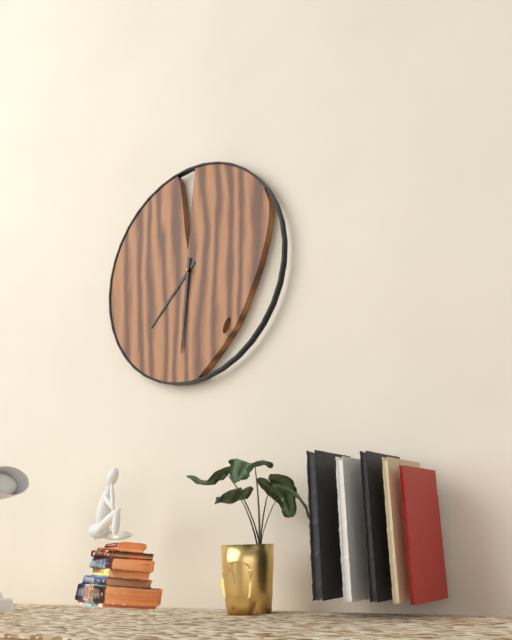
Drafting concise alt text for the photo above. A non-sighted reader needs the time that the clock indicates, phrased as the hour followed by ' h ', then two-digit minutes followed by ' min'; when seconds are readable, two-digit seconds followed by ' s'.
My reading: 7 h 31 min
